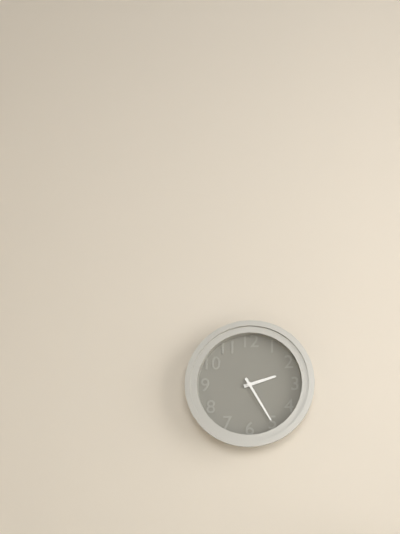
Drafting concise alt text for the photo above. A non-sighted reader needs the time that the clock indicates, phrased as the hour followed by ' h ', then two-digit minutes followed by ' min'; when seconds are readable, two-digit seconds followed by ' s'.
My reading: 2 h 25 min
